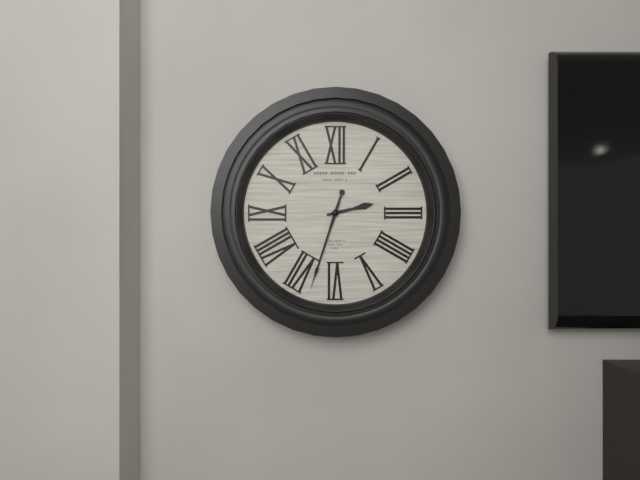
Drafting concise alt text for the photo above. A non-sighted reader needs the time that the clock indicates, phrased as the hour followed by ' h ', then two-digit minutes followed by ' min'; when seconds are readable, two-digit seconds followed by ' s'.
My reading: 2 h 33 min
